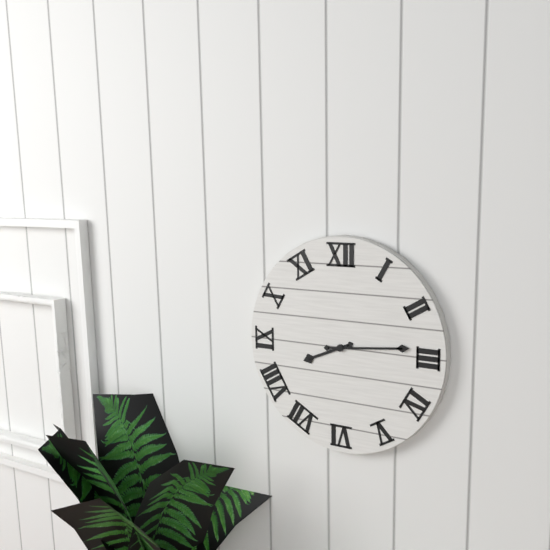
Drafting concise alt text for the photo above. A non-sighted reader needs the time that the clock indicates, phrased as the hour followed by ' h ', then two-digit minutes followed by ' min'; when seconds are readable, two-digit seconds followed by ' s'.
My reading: 8 h 14 min
